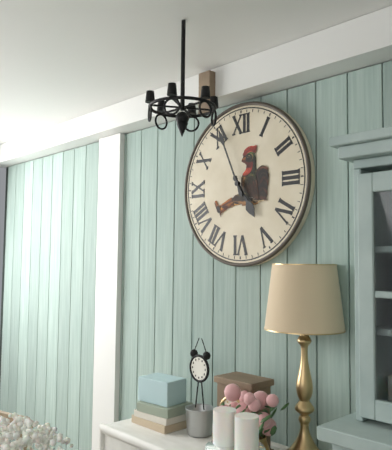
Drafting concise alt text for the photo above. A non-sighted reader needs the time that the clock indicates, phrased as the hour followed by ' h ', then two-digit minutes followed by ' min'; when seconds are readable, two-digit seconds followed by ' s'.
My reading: 4 h 56 min
